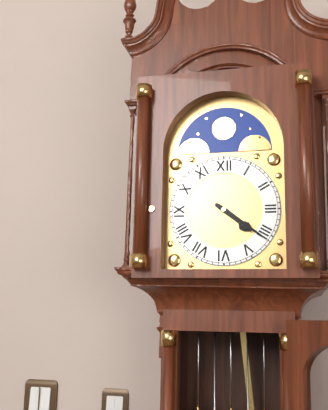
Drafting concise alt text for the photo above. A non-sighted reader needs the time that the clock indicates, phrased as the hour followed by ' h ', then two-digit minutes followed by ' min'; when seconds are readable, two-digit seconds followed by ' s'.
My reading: 4 h 21 min
